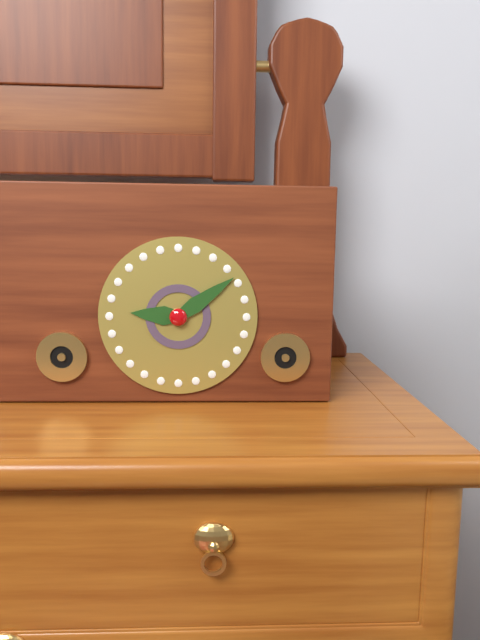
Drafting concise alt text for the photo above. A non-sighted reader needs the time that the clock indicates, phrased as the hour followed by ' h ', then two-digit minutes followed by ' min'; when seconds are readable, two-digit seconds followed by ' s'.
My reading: 9 h 09 min
